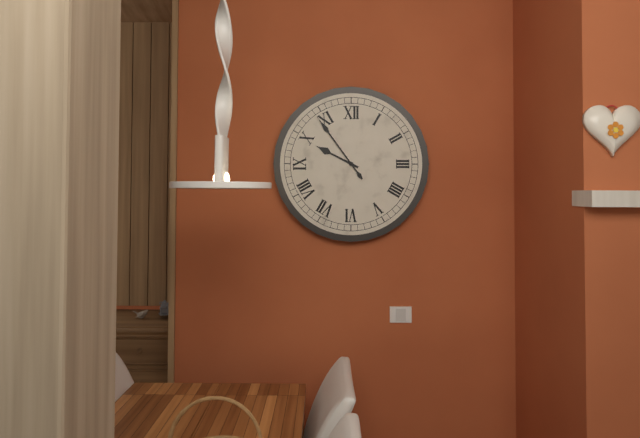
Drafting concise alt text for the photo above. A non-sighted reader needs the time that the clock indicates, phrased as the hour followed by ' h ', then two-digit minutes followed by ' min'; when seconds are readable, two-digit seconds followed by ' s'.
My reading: 9 h 54 min
